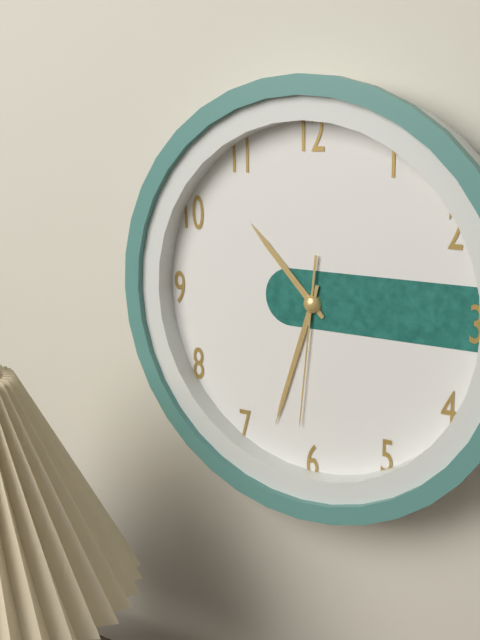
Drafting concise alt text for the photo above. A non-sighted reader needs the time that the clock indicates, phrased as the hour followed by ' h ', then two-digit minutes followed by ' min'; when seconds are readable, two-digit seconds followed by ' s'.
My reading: 10 h 33 min 31 s
